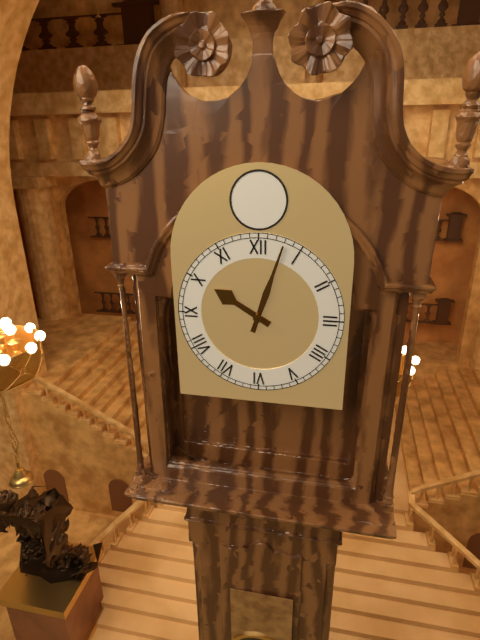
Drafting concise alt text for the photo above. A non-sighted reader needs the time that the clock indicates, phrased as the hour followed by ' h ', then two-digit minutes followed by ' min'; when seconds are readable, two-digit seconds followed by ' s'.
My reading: 10 h 03 min
